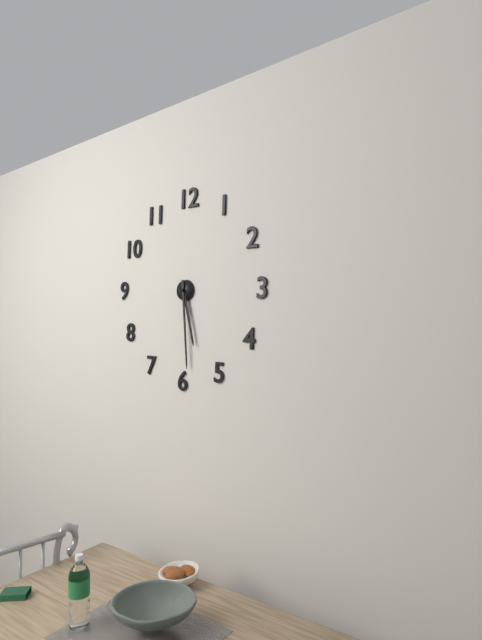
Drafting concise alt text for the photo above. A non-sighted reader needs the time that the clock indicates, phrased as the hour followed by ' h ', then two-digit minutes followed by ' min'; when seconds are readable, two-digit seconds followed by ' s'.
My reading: 5 h 29 min
